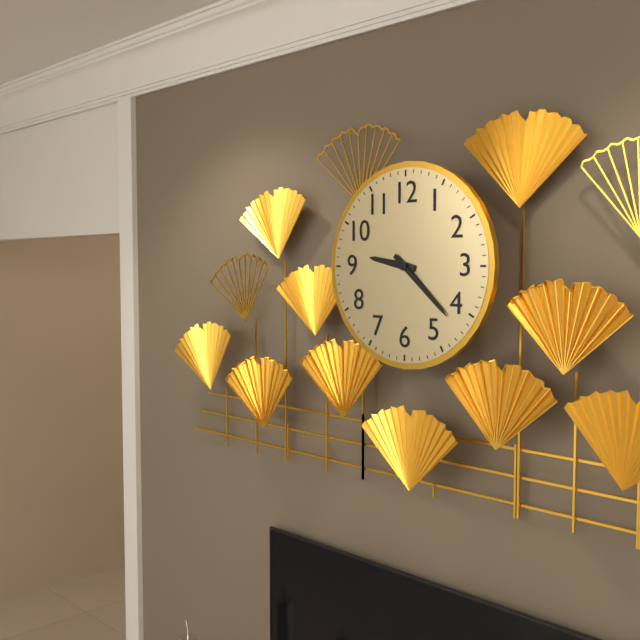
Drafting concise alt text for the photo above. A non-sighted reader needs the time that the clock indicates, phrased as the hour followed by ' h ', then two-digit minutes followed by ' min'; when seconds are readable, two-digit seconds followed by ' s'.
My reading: 9 h 22 min
